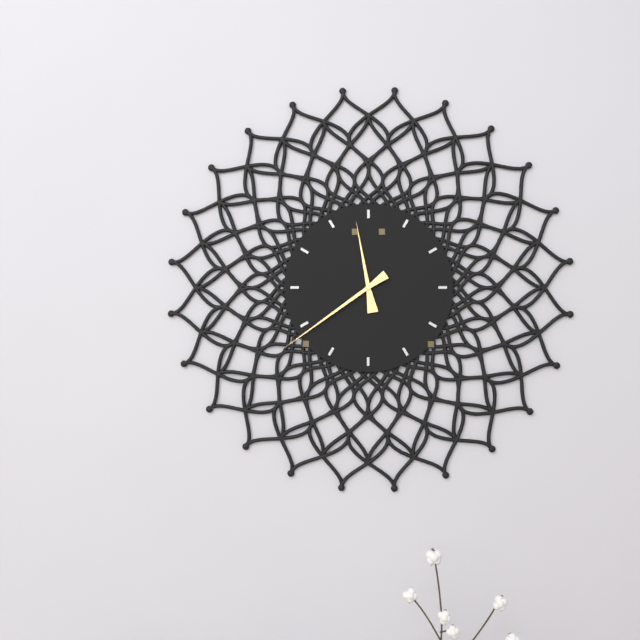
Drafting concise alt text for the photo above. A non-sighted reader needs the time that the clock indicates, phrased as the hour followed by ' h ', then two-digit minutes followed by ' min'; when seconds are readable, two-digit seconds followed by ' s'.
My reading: 11 h 39 min
